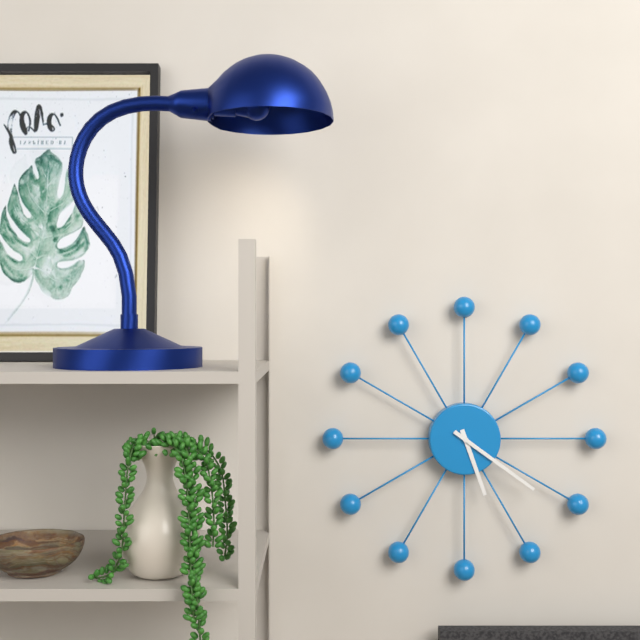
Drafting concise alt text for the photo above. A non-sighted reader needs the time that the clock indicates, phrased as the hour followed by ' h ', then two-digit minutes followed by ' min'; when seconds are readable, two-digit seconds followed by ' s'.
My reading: 5 h 21 min
